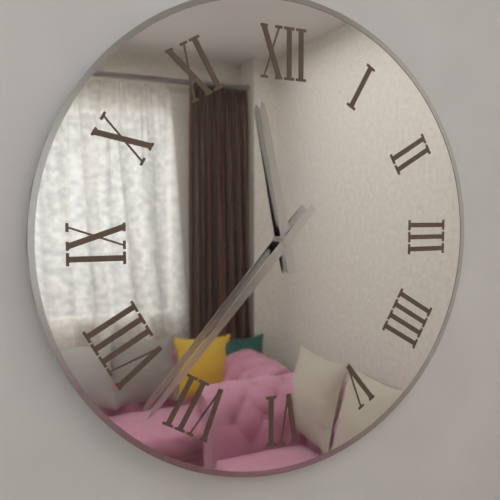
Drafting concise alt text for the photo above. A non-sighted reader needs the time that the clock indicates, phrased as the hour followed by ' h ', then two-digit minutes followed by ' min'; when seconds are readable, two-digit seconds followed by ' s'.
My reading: 11 h 37 min
